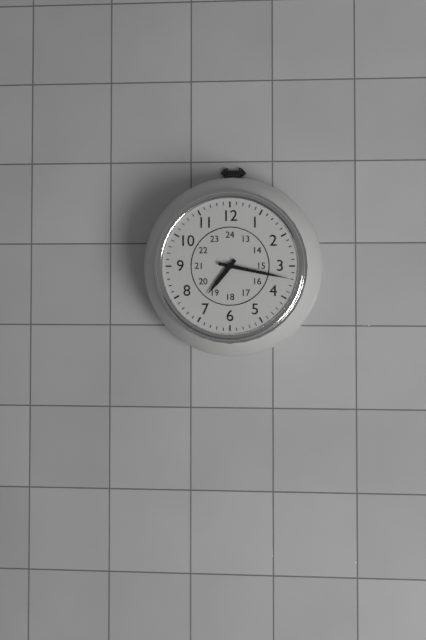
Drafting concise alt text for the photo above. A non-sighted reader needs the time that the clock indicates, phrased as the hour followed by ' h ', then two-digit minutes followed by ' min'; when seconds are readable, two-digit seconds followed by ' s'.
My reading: 7 h 17 min
